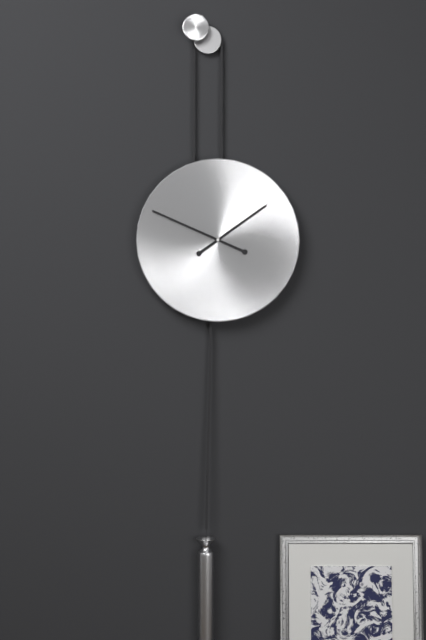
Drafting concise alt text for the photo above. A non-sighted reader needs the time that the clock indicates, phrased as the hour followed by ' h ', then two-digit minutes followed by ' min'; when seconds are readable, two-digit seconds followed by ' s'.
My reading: 1 h 49 min
